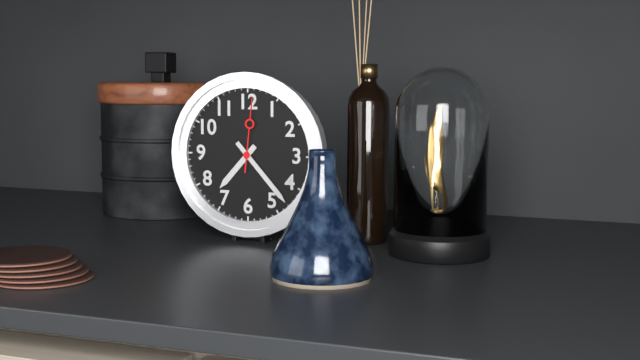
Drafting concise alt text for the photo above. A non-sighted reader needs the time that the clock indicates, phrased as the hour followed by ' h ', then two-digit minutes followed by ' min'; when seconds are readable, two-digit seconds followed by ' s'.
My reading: 7 h 23 min 01 s
